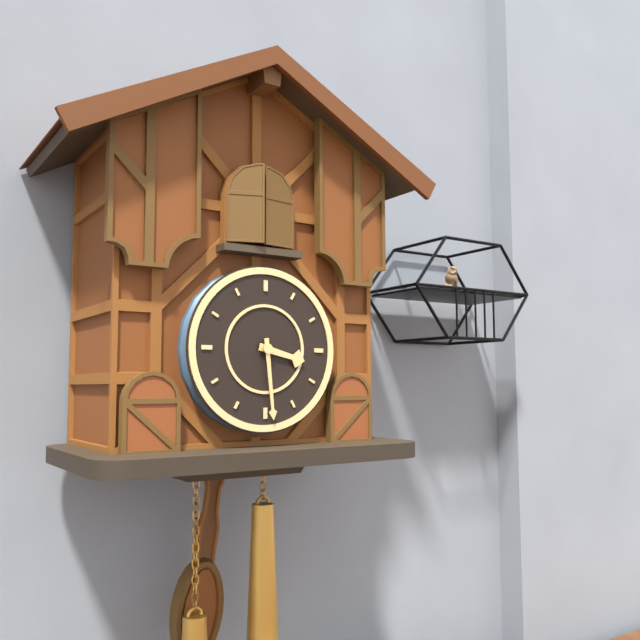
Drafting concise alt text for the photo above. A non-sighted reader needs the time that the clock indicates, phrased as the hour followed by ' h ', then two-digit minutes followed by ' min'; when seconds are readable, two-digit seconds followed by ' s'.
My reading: 3 h 29 min
